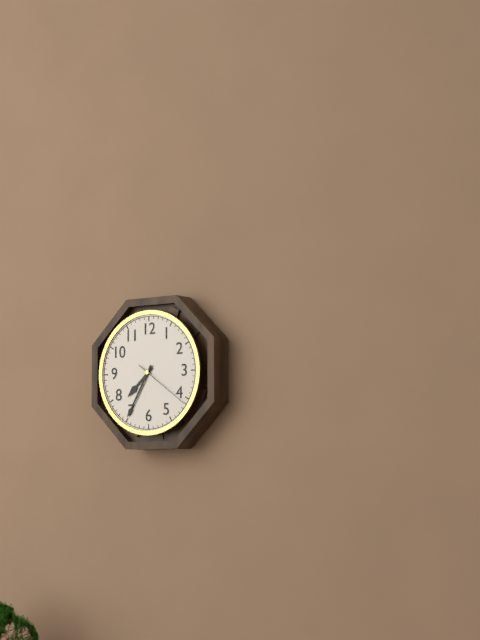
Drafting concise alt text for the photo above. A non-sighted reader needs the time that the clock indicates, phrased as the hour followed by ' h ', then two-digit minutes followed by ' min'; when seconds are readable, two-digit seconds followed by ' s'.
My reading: 7 h 35 min 21 s
